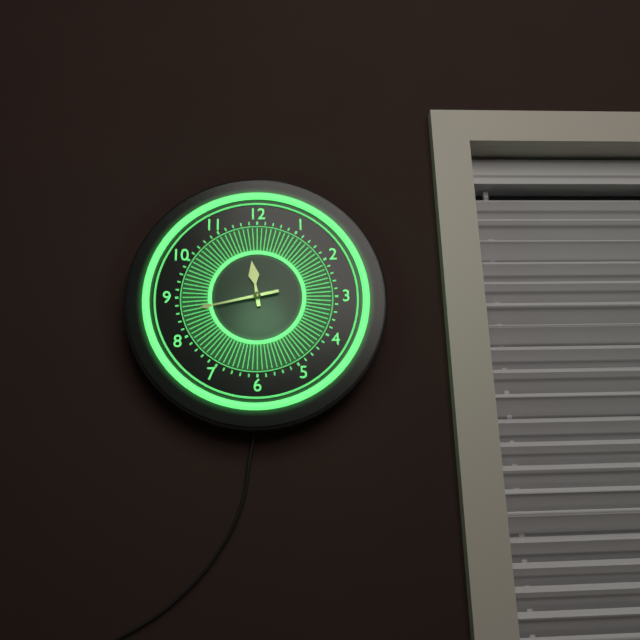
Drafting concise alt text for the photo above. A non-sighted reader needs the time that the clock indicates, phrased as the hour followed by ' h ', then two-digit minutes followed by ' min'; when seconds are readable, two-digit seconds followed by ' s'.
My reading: 11 h 43 min
